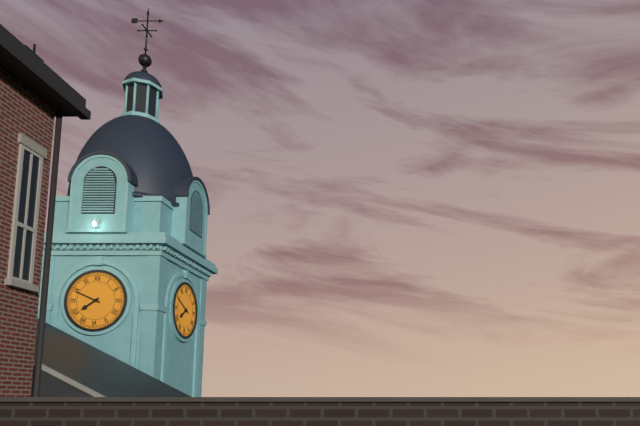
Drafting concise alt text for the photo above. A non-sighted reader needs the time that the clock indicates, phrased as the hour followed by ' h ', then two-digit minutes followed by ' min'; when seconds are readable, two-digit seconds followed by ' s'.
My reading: 7 h 49 min
